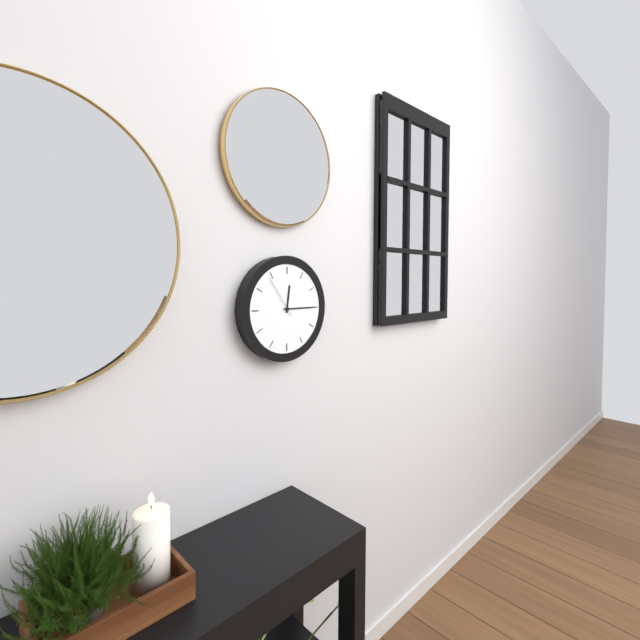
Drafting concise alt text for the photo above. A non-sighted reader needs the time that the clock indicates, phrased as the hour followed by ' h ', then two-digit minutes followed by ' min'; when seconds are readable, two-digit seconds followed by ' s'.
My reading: 12 h 15 min
